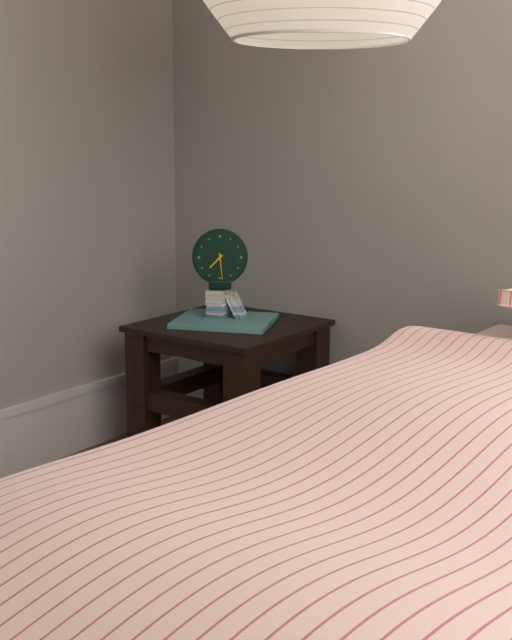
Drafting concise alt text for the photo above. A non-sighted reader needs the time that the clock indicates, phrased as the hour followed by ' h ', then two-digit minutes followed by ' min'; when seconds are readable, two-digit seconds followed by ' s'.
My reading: 7 h 29 min
